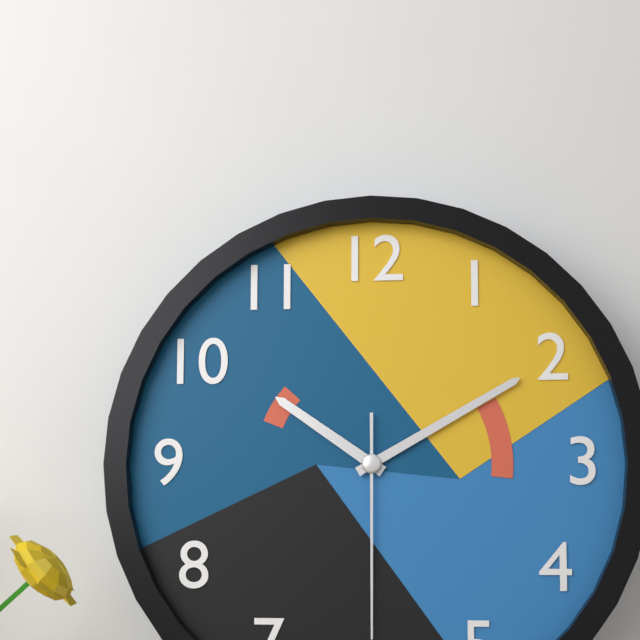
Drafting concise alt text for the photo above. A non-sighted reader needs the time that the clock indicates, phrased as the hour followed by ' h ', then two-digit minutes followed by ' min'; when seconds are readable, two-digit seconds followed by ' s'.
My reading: 10 h 10 min
